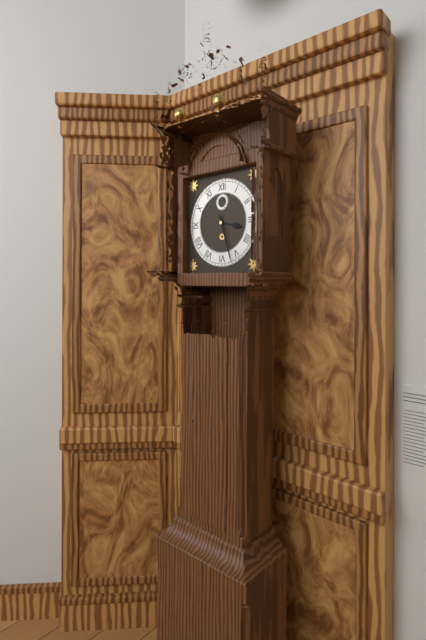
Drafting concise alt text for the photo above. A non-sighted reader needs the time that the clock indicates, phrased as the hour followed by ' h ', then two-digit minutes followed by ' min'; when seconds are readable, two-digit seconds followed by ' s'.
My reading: 3 h 27 min
